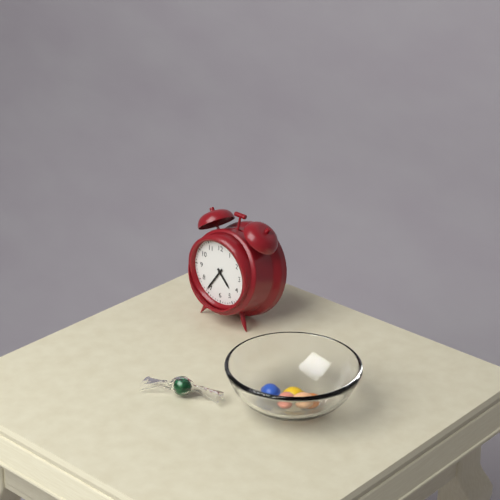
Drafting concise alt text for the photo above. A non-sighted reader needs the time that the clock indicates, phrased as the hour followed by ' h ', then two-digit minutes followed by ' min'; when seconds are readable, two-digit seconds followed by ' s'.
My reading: 4 h 36 min
